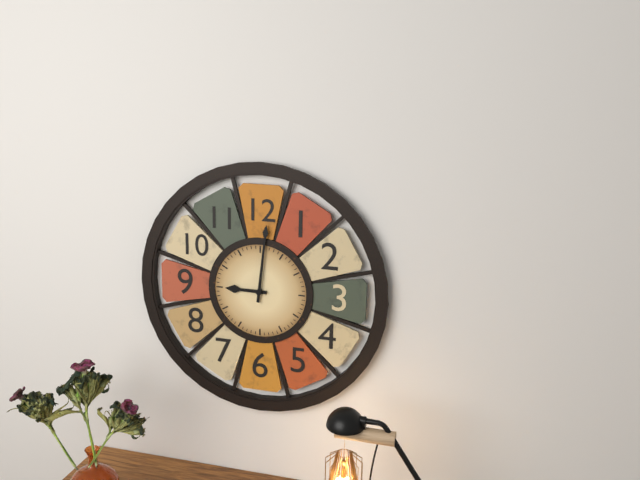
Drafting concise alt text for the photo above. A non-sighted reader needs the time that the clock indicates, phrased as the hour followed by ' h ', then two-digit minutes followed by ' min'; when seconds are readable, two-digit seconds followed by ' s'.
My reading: 9 h 01 min
